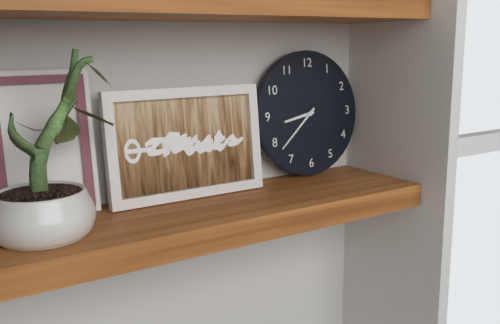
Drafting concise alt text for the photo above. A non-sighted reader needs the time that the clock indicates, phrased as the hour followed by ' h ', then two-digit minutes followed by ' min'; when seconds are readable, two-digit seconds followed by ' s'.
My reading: 8 h 38 min
